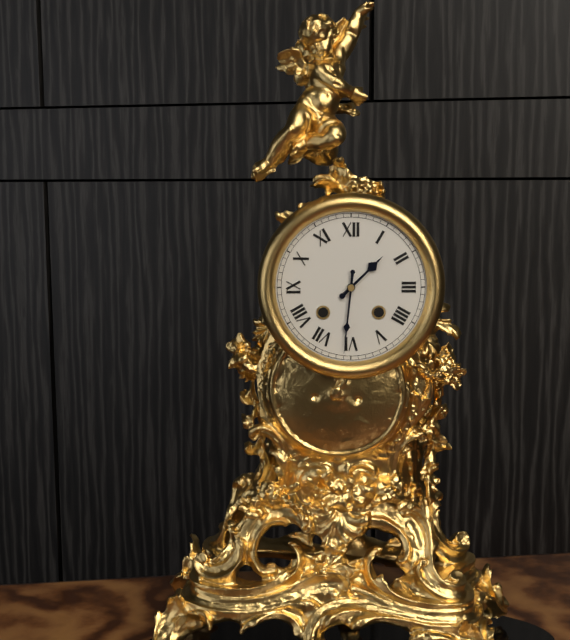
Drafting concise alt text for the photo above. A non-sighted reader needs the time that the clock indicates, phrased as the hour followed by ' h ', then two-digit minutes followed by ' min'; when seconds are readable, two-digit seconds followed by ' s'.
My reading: 1 h 31 min
